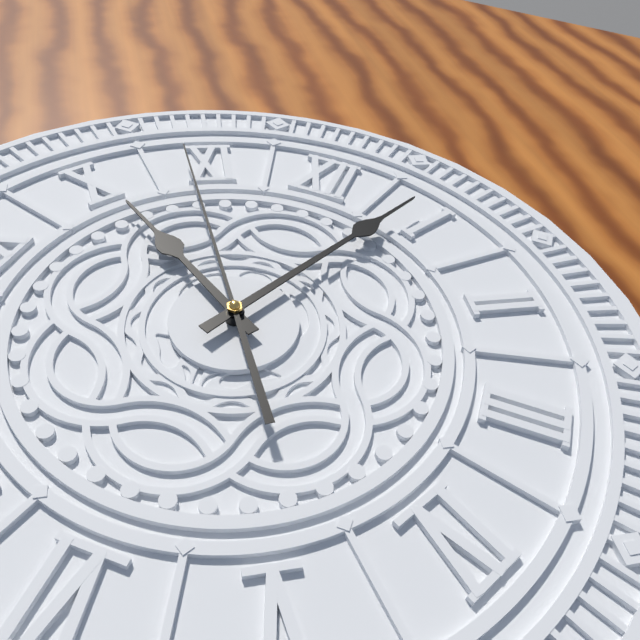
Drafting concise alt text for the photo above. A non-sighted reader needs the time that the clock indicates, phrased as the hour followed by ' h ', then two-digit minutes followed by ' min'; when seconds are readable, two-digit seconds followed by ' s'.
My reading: 10 h 04 min 54 s
